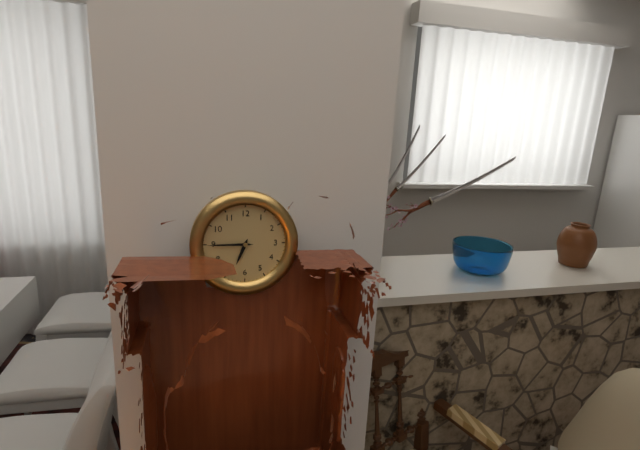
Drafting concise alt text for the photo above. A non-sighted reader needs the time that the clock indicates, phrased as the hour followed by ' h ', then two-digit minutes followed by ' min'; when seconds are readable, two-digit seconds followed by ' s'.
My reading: 6 h 45 min
